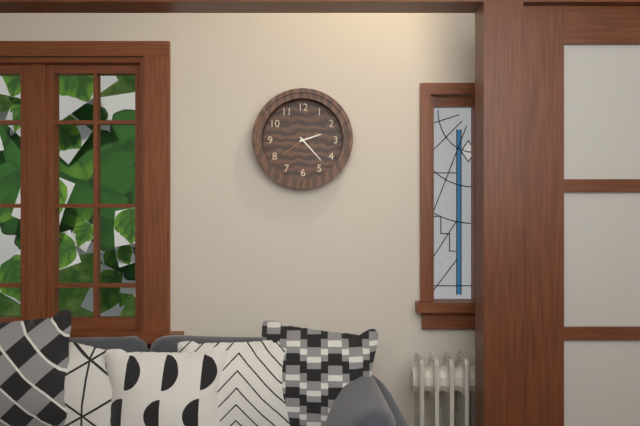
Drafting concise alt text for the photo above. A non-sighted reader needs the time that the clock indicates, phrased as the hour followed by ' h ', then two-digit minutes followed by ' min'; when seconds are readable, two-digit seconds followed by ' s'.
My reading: 2 h 23 min
